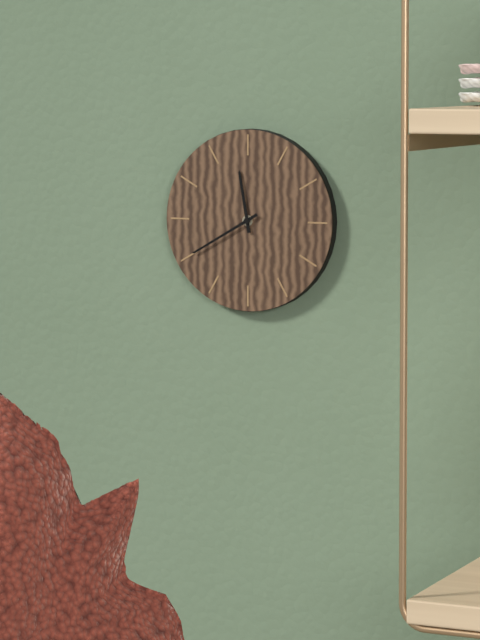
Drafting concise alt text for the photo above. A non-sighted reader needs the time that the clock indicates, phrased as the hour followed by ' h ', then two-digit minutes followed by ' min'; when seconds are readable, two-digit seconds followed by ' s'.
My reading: 11 h 40 min
